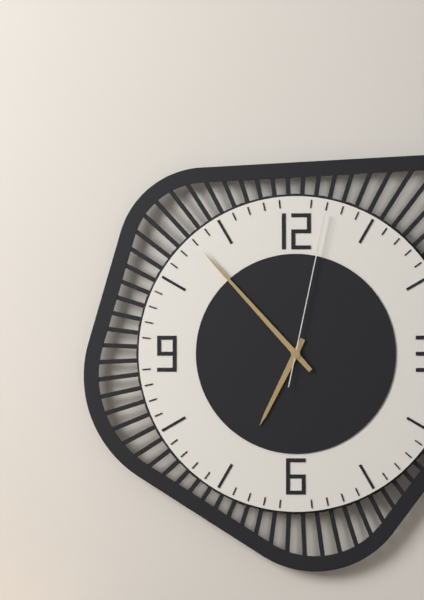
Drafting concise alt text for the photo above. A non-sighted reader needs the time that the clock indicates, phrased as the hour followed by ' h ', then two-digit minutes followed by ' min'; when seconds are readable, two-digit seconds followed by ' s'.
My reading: 6 h 53 min 02 s
